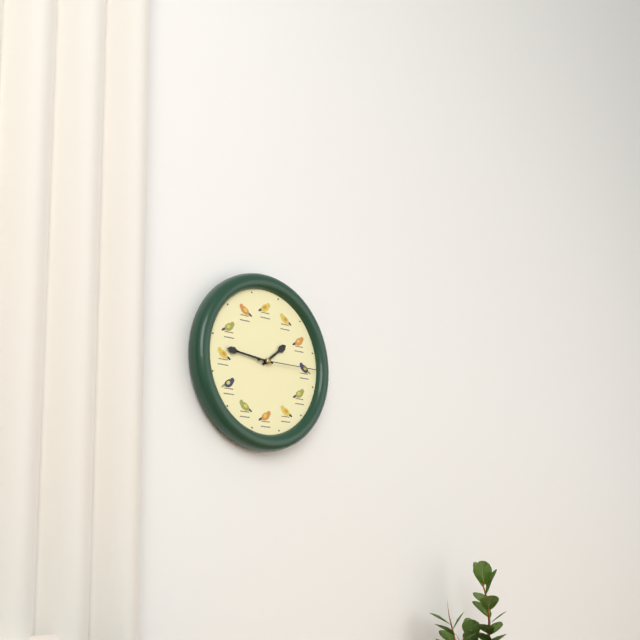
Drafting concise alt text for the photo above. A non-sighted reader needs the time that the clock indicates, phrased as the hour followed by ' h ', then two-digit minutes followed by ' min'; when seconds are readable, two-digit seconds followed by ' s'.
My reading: 1 h 46 min 15 s
